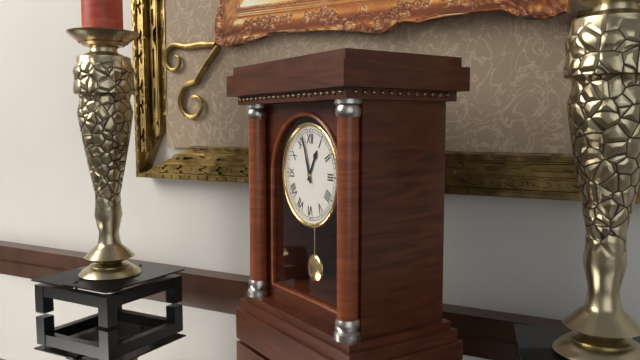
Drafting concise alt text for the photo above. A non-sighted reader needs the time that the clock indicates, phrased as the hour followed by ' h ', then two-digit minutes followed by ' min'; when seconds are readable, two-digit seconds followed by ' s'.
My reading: 12 h 57 min
